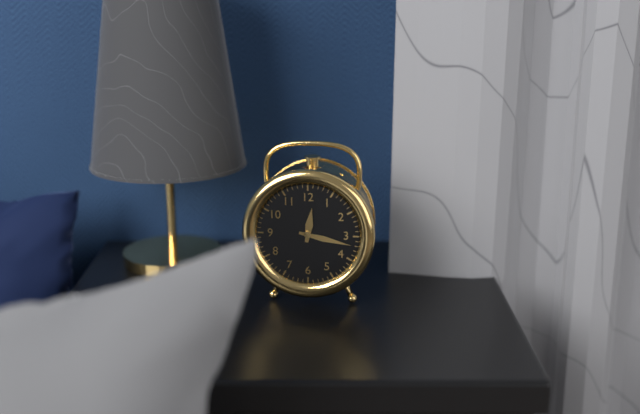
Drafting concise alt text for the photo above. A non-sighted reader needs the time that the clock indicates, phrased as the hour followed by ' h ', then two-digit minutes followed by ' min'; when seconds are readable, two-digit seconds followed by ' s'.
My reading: 12 h 17 min
